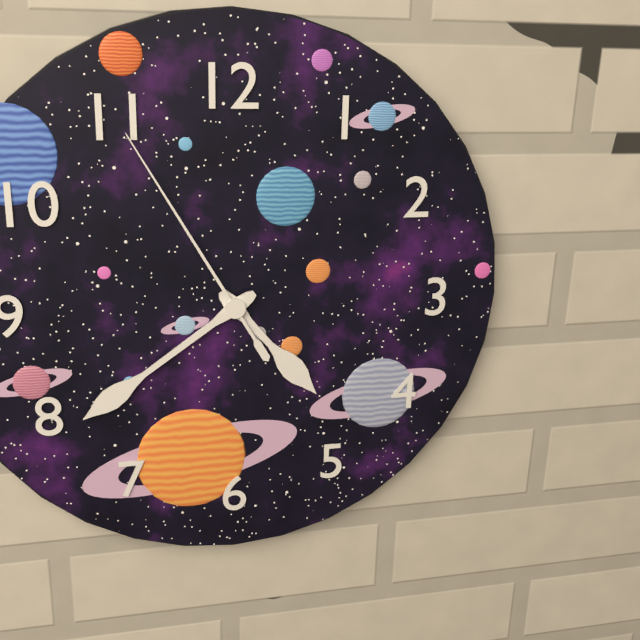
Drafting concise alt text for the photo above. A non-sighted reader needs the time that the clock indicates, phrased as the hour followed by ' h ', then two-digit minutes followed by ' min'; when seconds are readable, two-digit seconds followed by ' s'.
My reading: 4 h 39 min 55 s
